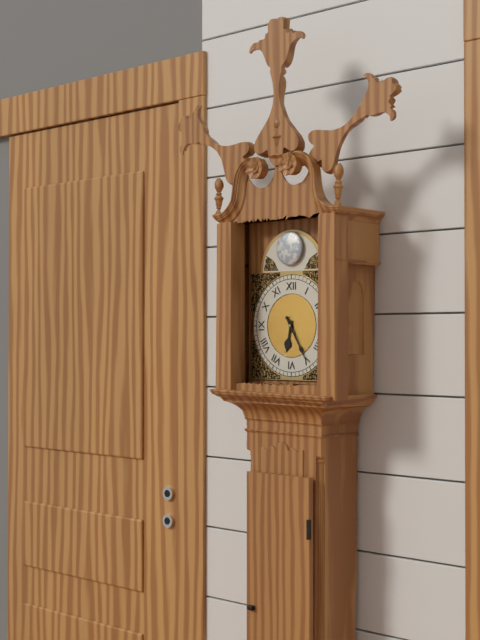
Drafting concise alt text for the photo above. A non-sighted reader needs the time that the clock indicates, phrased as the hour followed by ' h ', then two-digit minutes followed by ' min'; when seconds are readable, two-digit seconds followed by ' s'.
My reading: 6 h 25 min
